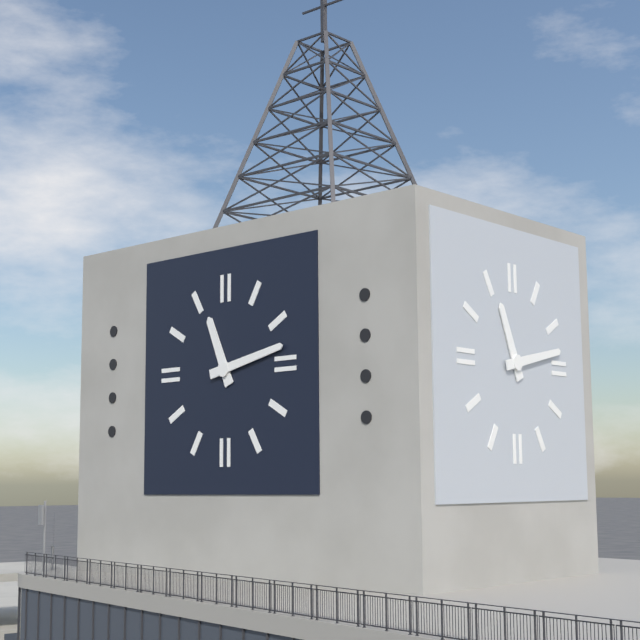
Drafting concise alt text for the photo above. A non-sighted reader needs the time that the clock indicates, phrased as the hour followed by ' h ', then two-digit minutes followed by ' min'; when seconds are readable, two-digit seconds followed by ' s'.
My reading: 11 h 13 min
